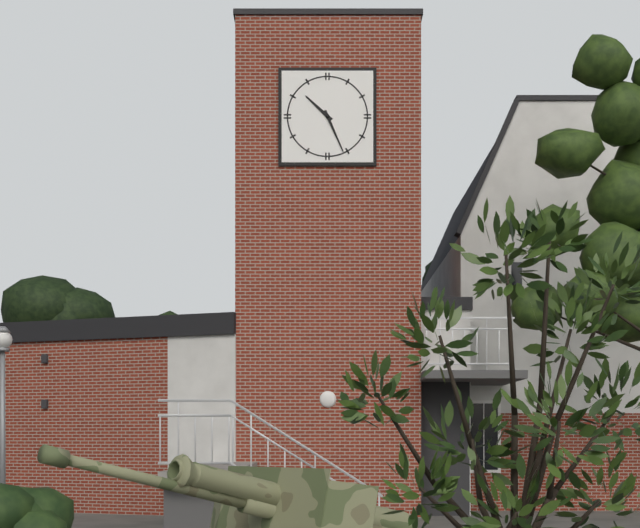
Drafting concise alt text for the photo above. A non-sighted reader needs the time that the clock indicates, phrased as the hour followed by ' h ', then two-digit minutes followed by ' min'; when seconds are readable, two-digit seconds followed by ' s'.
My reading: 10 h 26 min
